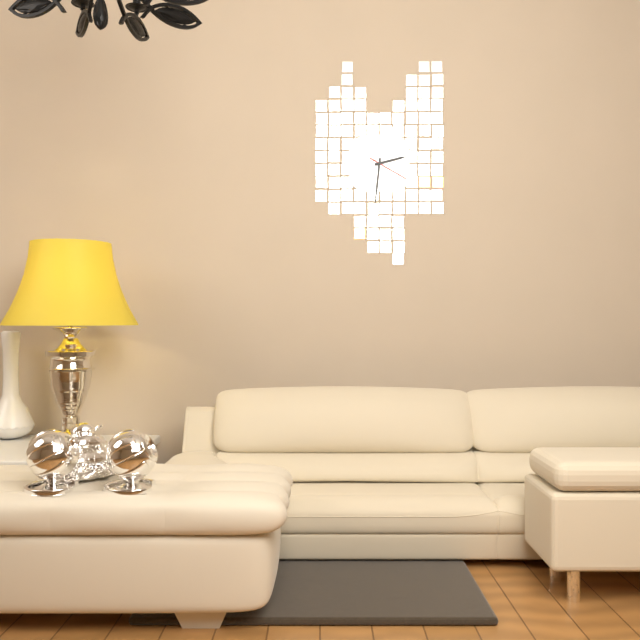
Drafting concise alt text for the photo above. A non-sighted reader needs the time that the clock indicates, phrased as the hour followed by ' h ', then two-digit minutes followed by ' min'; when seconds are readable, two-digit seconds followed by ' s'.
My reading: 2 h 31 min
